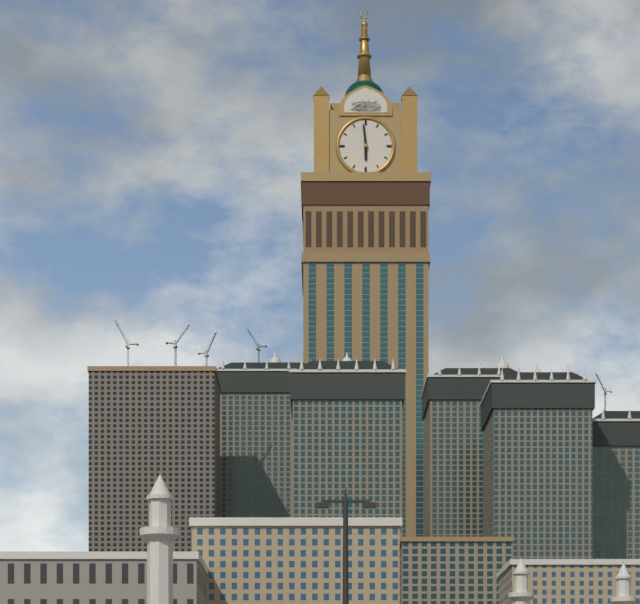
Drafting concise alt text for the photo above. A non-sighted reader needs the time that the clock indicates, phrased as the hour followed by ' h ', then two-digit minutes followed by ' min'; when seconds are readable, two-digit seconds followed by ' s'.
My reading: 5 h 59 min
